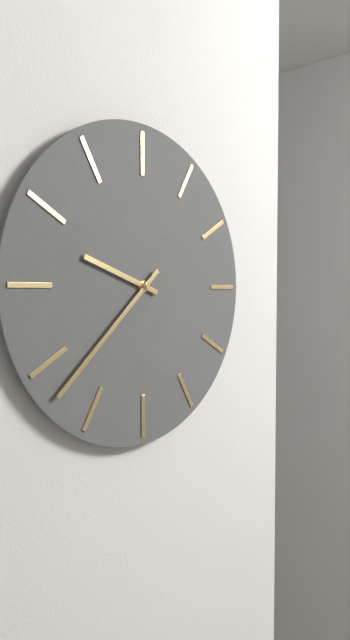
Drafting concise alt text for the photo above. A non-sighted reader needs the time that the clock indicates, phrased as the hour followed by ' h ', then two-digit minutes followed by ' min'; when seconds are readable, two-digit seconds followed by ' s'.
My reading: 9 h 38 min
